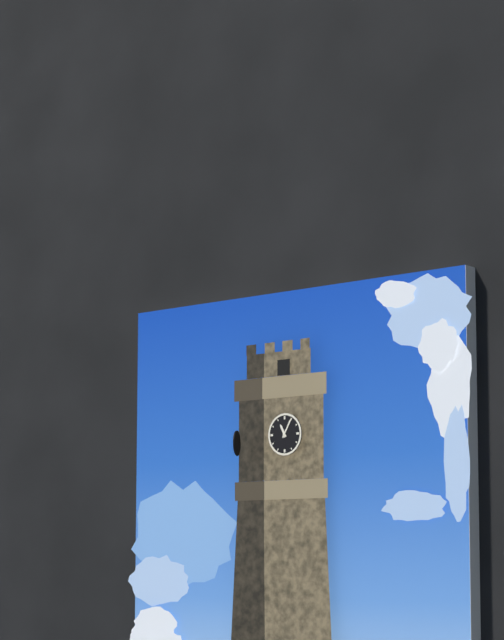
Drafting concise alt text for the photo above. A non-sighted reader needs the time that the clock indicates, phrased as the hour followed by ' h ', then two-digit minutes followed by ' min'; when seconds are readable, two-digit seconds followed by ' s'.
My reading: 11 h 05 min
